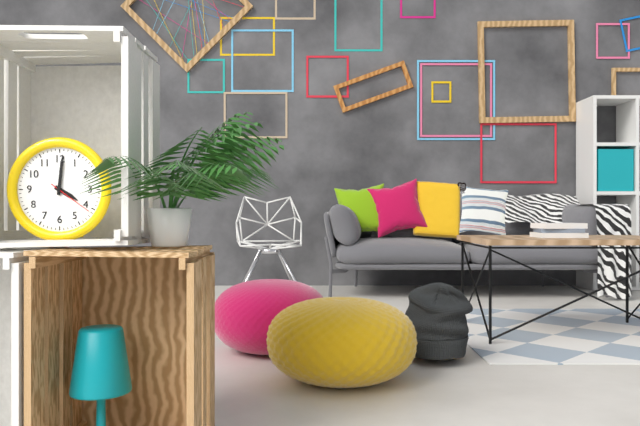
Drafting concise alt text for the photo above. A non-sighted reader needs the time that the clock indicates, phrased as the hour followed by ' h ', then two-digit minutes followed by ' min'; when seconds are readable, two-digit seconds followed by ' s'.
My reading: 4 h 01 min
